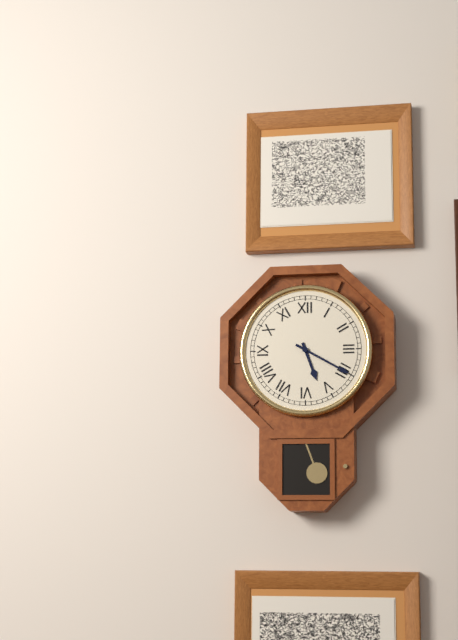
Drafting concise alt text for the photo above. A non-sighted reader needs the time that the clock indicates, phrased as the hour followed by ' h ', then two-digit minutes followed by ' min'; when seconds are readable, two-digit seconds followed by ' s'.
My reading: 5 h 20 min
